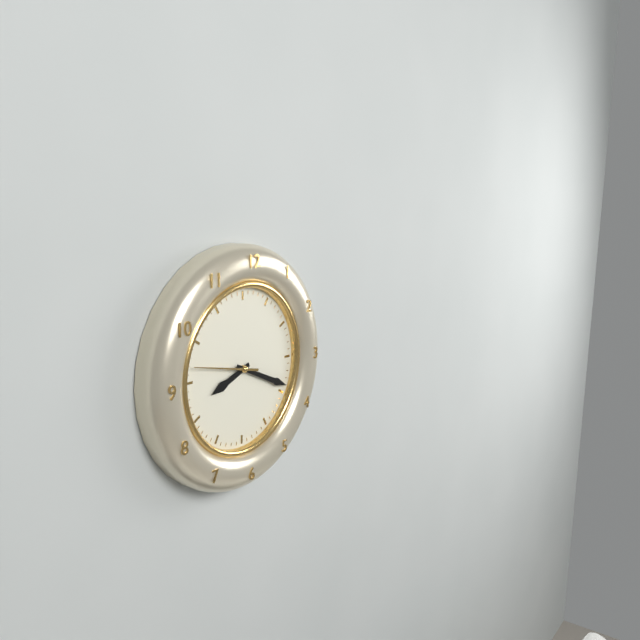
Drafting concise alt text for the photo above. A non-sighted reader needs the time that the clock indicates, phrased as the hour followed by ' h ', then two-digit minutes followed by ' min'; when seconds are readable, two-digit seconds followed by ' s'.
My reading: 8 h 19 min 47 s
